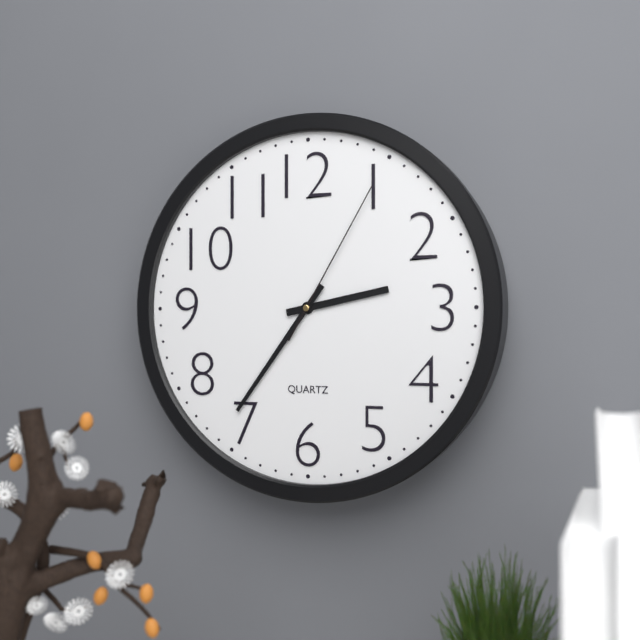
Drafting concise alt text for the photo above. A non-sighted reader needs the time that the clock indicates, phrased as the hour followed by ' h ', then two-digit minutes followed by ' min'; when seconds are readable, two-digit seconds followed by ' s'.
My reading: 2 h 36 min 05 s
